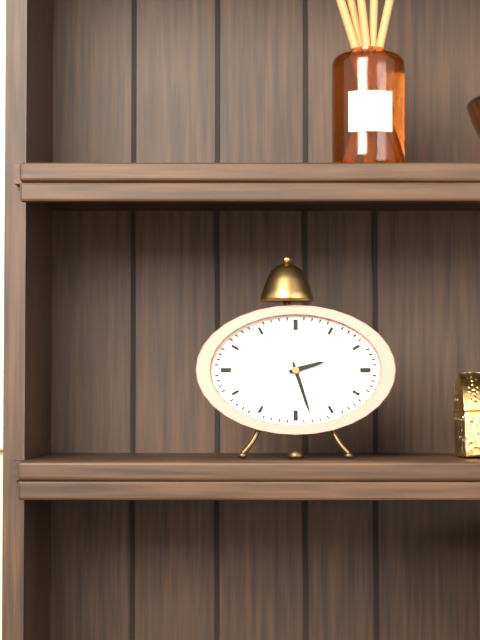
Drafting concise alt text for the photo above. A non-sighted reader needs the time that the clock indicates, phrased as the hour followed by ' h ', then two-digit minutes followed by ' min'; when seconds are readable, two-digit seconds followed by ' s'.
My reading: 2 h 27 min
